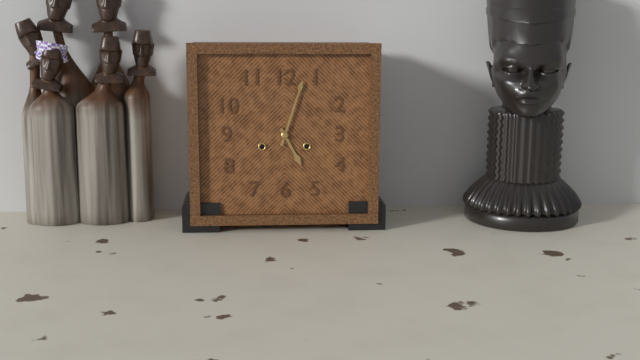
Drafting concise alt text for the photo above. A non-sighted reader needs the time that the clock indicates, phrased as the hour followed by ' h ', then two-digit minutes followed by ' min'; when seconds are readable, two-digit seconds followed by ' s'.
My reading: 5 h 03 min
